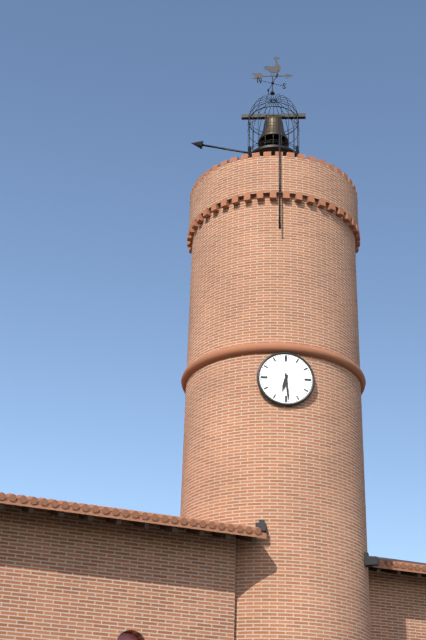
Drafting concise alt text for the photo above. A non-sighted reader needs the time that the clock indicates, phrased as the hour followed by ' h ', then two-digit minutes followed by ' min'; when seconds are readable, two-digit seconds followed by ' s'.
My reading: 6 h 29 min
